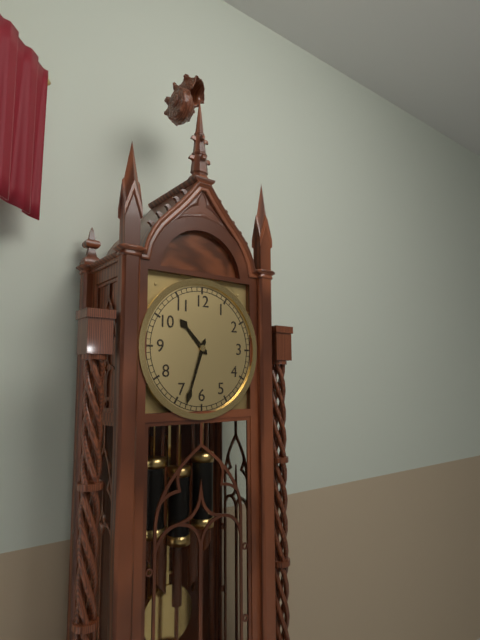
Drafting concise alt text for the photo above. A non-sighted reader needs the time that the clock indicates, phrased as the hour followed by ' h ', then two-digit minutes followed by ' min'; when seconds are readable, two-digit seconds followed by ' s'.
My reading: 10 h 33 min
